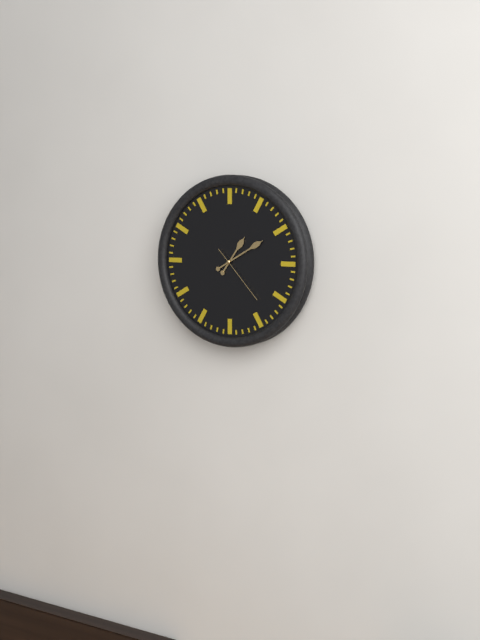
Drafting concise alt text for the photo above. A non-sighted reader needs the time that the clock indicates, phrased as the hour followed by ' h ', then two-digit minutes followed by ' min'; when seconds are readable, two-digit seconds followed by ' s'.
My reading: 1 h 10 min 23 s
